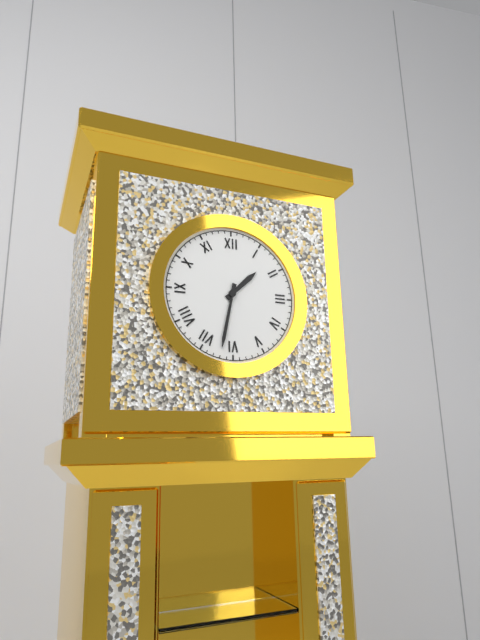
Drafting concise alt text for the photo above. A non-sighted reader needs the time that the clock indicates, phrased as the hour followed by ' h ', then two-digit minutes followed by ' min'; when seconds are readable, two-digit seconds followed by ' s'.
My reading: 1 h 32 min
